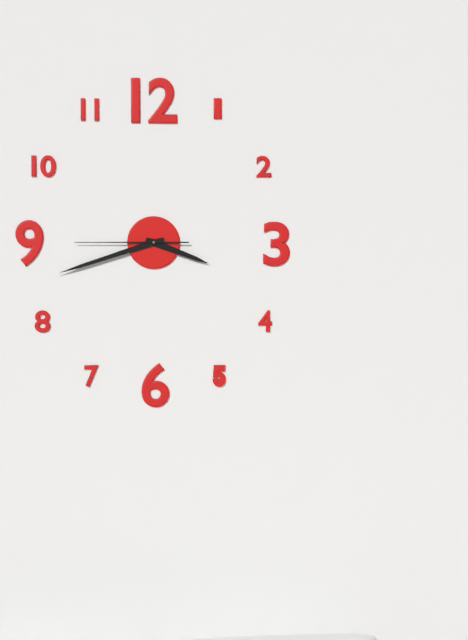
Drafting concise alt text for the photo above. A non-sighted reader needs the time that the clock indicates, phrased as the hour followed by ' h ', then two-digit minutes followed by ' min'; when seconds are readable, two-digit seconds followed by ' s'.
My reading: 3 h 42 min 45 s
